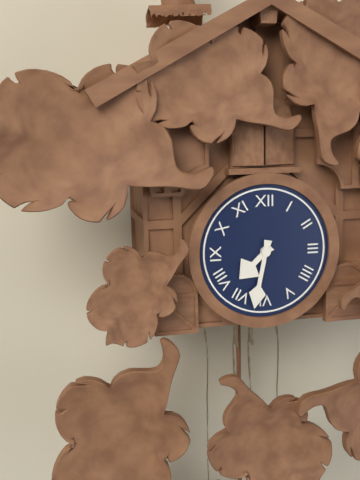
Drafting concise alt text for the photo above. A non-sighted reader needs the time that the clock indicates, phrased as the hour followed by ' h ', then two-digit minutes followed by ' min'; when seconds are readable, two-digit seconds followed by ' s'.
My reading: 7 h 32 min
